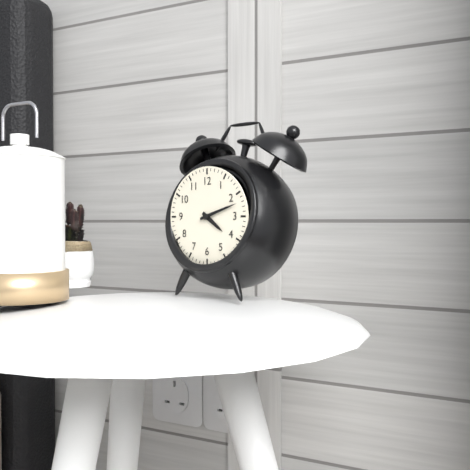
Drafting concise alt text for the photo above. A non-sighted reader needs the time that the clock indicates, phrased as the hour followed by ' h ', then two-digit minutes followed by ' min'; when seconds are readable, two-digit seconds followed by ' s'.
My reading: 4 h 12 min
